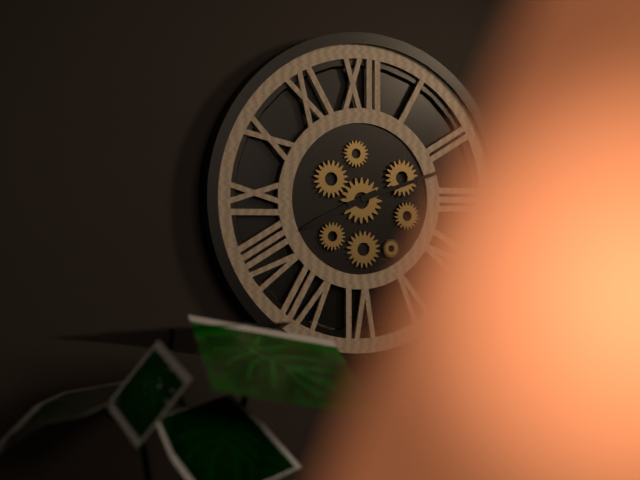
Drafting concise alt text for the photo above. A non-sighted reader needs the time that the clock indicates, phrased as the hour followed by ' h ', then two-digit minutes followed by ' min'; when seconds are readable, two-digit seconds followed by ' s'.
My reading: 8 h 12 min
